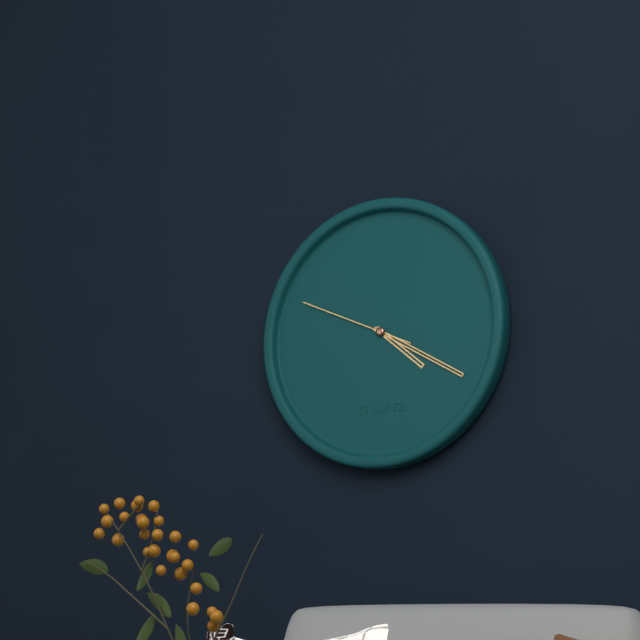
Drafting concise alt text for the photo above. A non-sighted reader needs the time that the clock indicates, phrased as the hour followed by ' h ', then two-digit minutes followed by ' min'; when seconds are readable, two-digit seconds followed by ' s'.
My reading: 4 h 20 min 49 s
